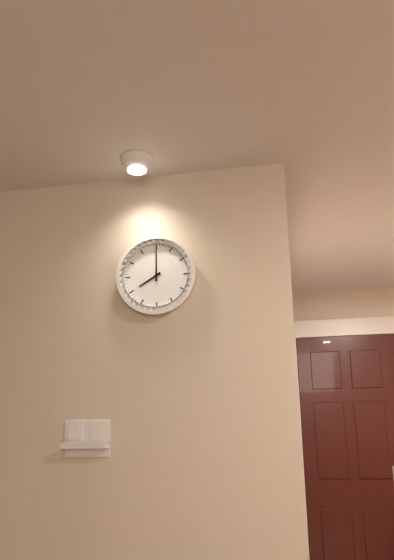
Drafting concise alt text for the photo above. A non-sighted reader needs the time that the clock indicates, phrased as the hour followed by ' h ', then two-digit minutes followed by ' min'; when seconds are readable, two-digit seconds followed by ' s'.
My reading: 8 h 00 min
